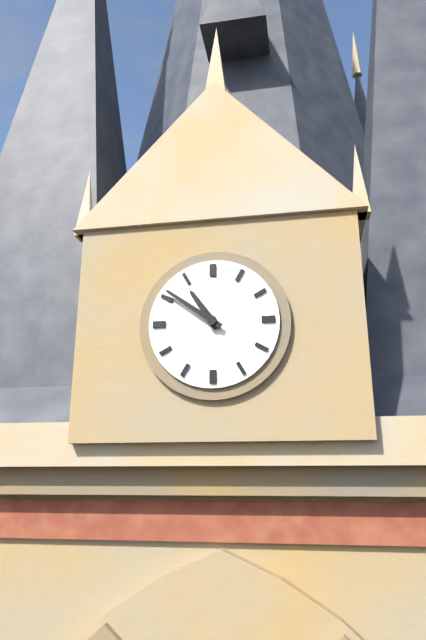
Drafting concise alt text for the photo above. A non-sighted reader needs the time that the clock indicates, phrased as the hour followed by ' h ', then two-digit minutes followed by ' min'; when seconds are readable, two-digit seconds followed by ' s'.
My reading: 10 h 51 min
